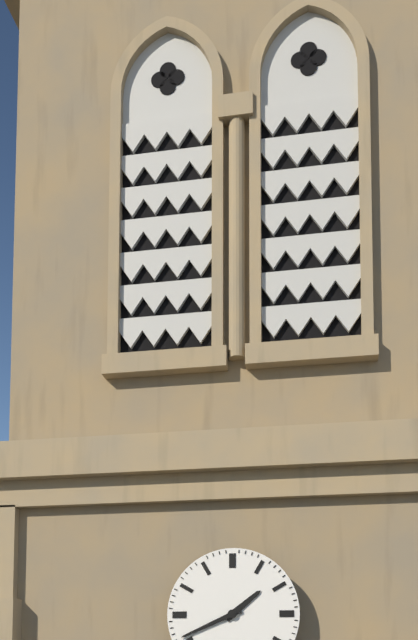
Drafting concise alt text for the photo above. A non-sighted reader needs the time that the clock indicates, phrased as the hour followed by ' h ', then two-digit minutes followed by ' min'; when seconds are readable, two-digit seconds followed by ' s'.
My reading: 1 h 41 min
